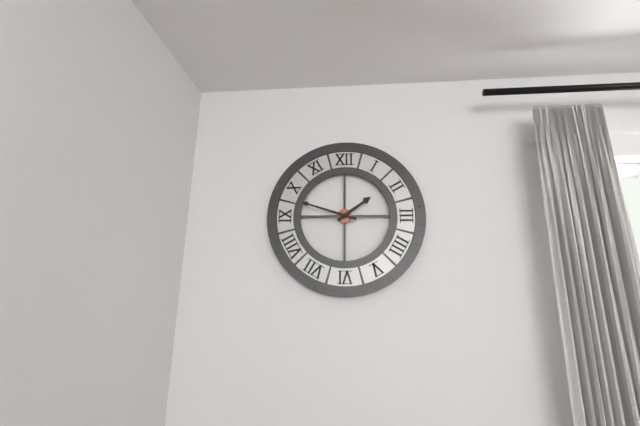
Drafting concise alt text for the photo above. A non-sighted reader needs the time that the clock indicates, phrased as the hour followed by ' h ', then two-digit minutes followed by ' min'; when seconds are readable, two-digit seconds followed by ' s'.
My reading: 1 h 48 min
